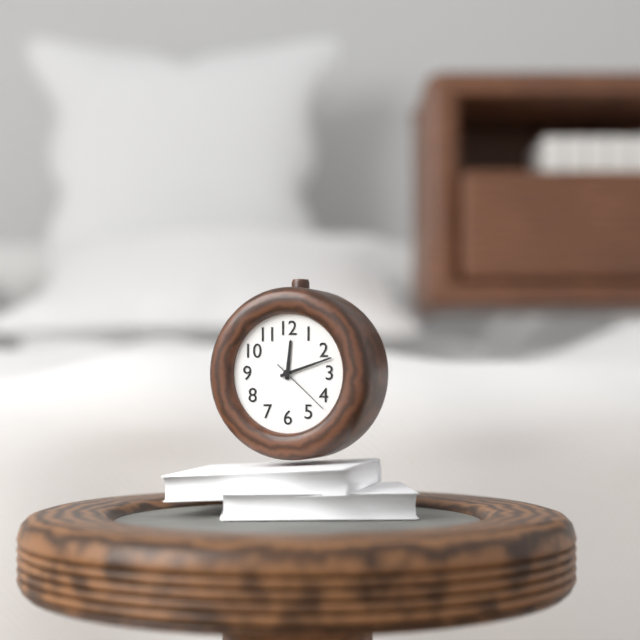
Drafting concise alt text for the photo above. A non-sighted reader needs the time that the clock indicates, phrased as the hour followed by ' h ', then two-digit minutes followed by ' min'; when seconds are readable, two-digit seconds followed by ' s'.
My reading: 12 h 12 min 22 s
